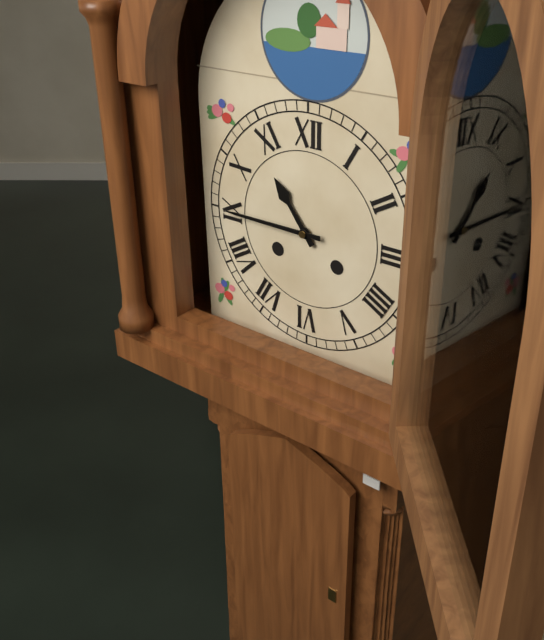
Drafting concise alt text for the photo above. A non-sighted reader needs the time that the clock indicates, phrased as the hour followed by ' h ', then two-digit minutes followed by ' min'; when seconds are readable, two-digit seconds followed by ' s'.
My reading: 10 h 45 min
